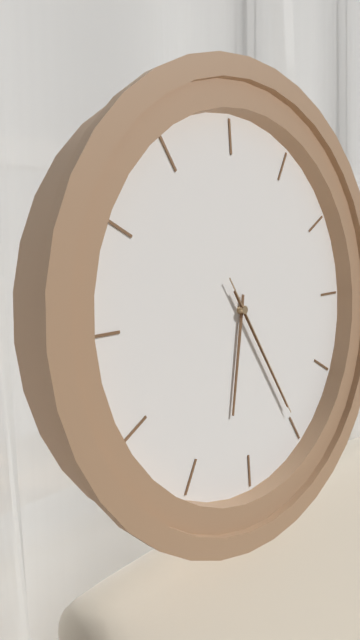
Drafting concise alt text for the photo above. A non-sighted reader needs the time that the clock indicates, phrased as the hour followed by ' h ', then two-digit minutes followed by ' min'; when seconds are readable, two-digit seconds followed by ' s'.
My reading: 6 h 25 min 25 s
